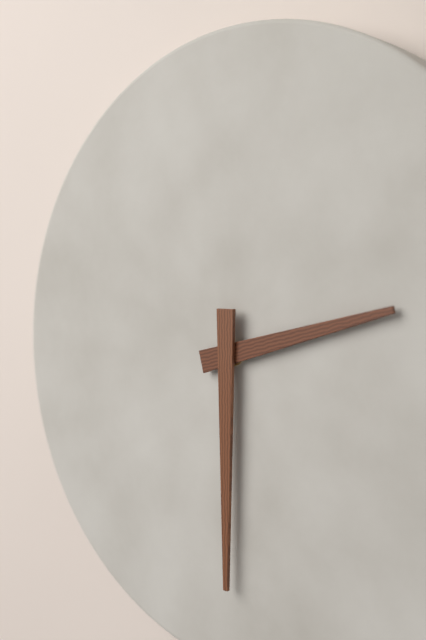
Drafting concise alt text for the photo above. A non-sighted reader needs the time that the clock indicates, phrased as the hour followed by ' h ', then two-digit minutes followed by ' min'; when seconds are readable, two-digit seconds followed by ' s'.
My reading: 2 h 30 min
